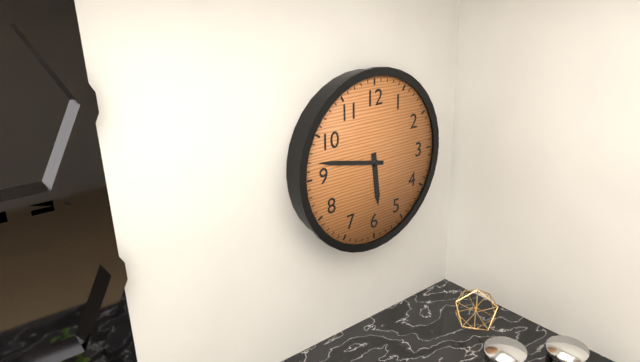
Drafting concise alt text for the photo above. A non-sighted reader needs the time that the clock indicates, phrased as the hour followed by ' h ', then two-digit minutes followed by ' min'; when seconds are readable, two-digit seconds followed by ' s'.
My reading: 5 h 47 min
